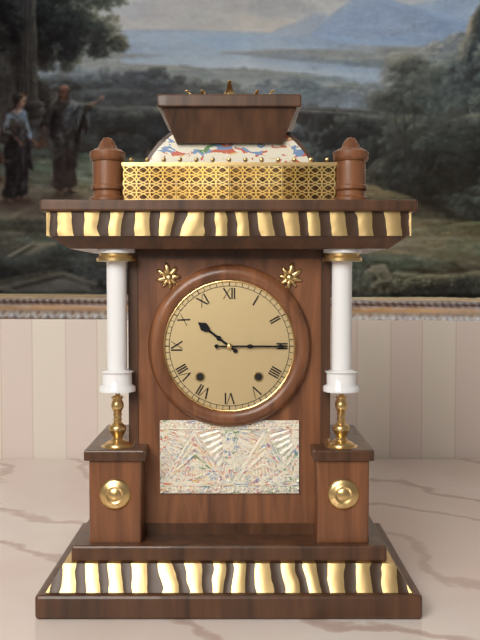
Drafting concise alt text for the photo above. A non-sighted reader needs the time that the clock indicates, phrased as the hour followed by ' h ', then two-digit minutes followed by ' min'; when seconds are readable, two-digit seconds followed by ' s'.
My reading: 10 h 15 min
